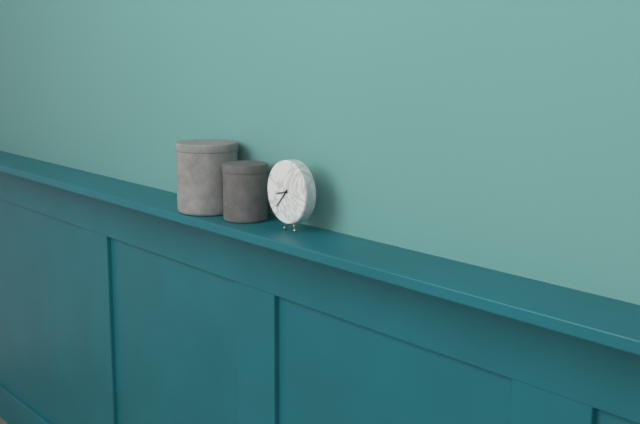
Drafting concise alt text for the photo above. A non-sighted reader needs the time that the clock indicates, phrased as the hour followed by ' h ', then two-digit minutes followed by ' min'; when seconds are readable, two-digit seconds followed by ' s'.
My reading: 8 h 37 min
